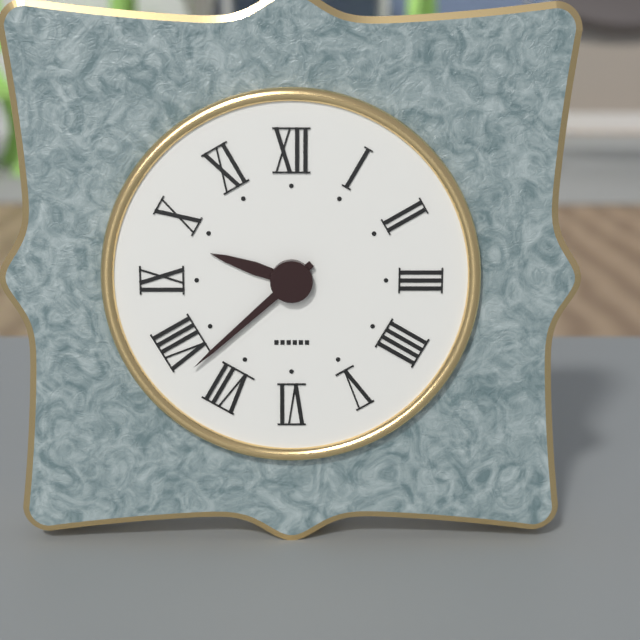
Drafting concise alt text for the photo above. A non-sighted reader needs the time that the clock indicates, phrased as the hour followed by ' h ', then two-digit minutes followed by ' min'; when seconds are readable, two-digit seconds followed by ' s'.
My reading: 9 h 38 min
